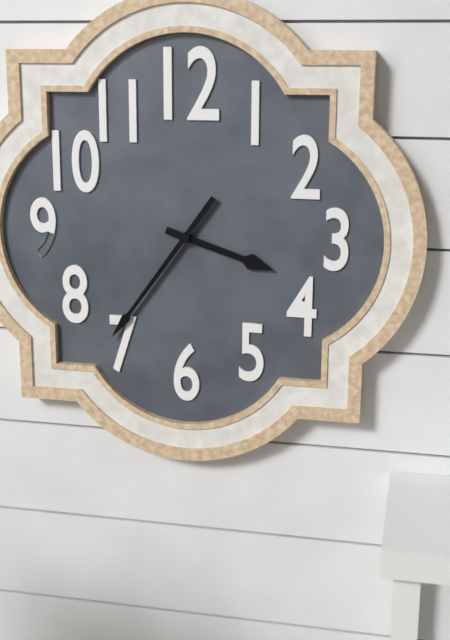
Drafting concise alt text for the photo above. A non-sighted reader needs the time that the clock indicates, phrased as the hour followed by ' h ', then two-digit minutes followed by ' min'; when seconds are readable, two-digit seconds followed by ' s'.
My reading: 3 h 36 min
